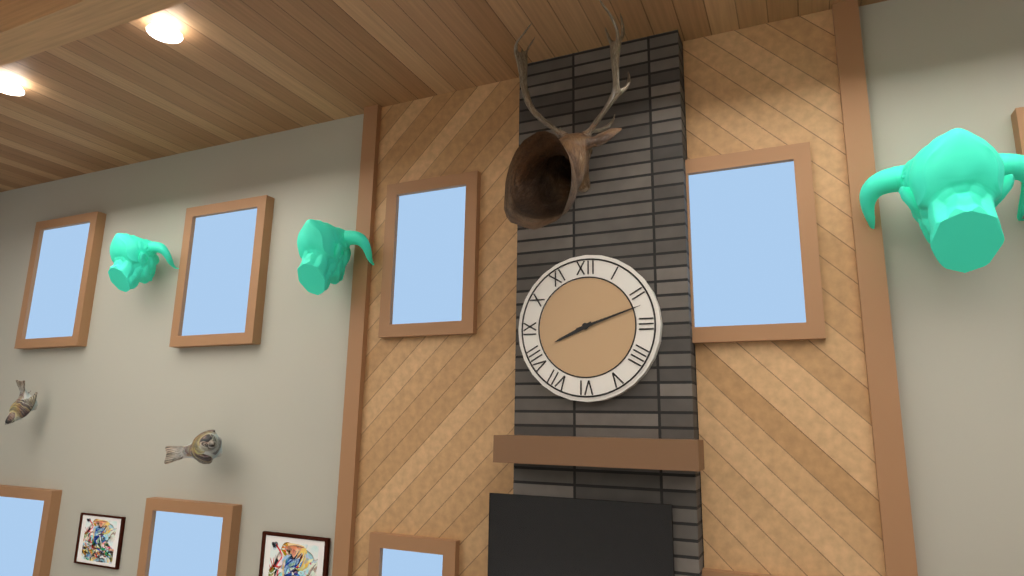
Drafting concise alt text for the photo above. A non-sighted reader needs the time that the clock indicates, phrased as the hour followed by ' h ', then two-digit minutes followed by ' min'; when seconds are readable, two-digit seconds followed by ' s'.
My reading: 8 h 12 min
